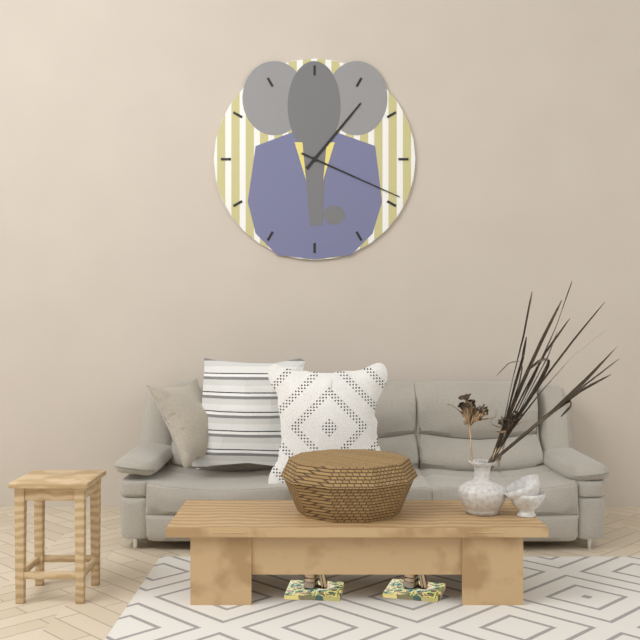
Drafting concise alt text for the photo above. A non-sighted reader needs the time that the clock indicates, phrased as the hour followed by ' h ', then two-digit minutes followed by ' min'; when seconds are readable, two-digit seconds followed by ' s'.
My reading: 1 h 19 min
